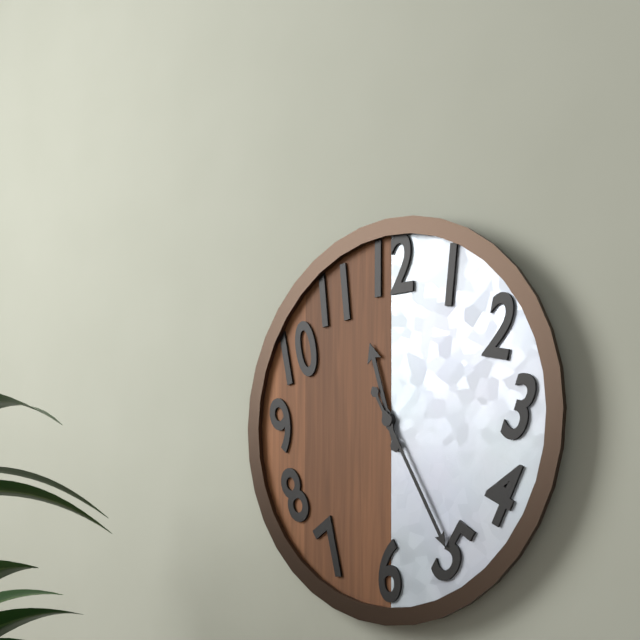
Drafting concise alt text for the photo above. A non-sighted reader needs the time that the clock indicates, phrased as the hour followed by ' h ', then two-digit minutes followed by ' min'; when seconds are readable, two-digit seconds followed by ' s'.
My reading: 11 h 25 min
